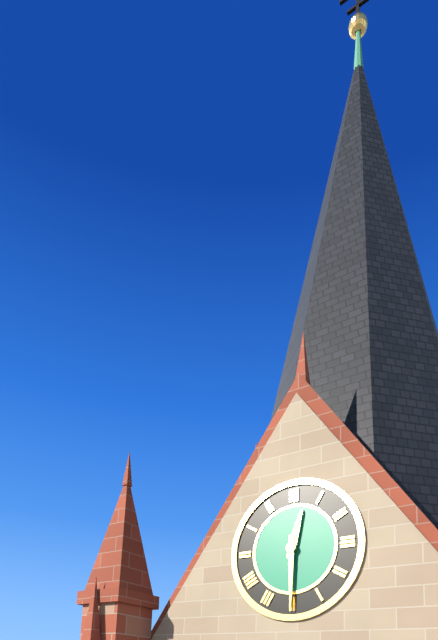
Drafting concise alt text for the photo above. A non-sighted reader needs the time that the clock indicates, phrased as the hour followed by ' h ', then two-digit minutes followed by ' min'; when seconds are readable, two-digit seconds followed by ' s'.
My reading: 12 h 30 min
